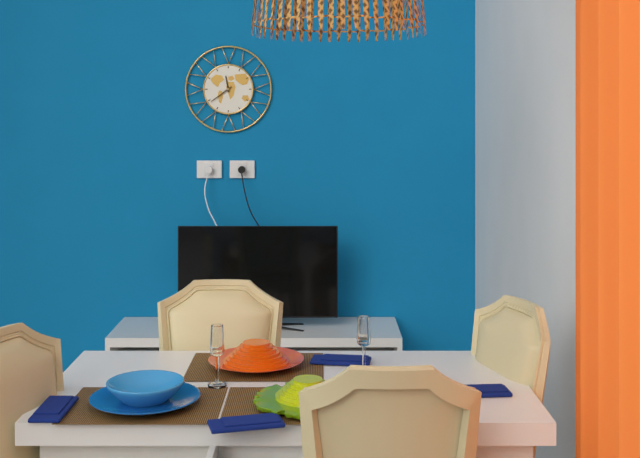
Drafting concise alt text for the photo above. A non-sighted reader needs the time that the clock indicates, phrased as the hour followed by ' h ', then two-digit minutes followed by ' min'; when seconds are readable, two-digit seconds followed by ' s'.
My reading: 11 h 39 min
